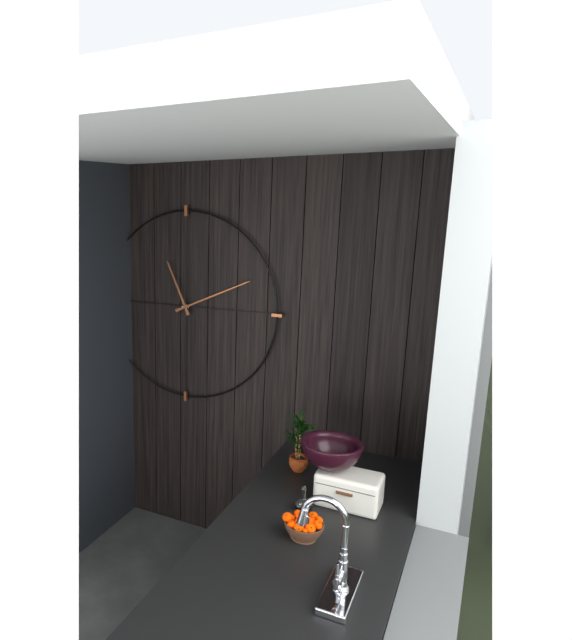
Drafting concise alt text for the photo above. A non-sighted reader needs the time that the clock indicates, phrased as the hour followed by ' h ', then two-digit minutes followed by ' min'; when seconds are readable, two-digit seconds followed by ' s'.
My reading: 11 h 11 min
